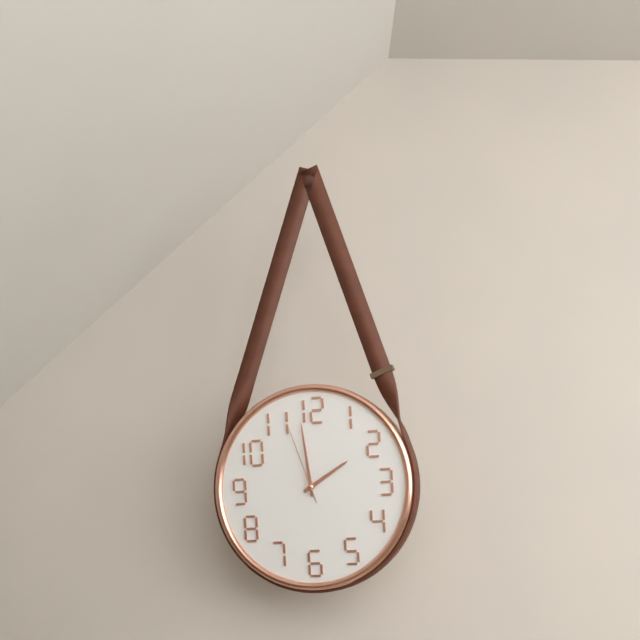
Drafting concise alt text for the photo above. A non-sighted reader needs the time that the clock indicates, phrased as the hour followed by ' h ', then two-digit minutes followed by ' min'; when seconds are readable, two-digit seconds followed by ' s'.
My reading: 1 h 59 min 57 s
